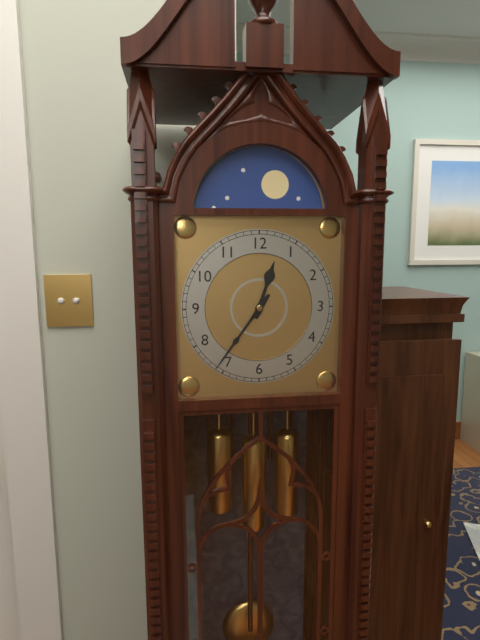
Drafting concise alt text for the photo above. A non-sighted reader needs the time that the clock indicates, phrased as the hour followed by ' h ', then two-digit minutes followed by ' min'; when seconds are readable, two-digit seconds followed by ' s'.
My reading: 12 h 36 min
